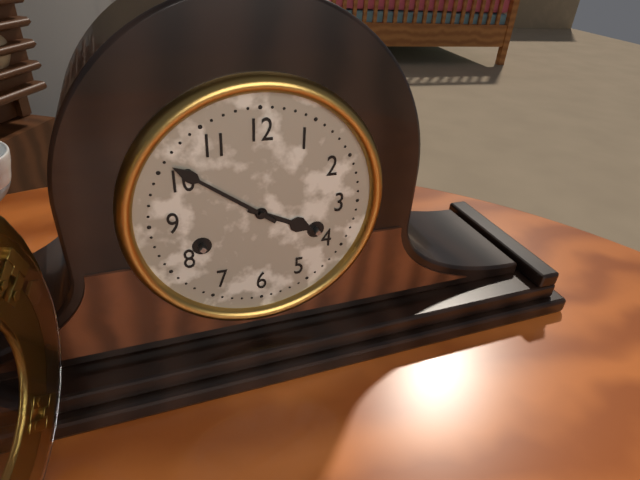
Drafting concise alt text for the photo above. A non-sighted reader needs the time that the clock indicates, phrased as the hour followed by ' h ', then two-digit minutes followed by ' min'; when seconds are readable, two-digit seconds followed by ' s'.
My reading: 3 h 51 min
